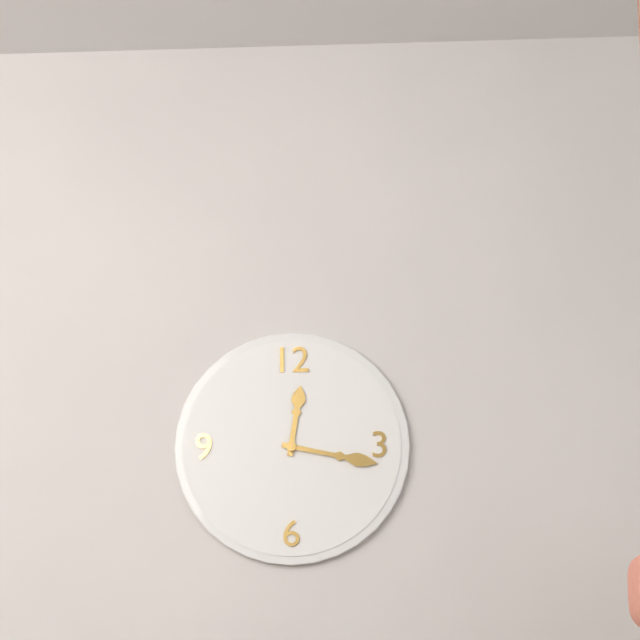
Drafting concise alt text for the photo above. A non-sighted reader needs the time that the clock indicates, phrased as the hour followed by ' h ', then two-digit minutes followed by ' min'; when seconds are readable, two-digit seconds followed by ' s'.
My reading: 12 h 17 min
